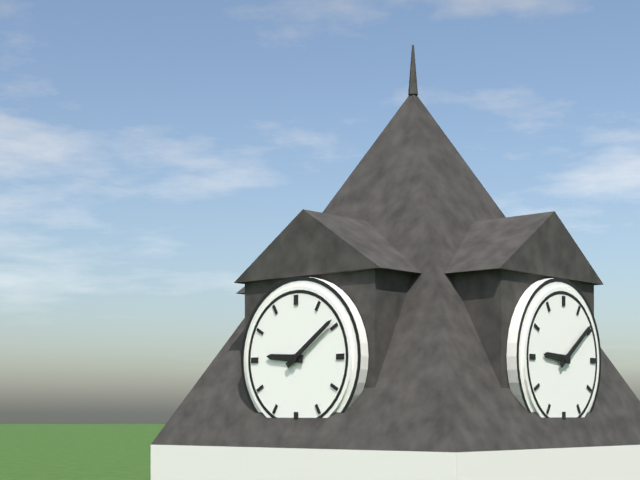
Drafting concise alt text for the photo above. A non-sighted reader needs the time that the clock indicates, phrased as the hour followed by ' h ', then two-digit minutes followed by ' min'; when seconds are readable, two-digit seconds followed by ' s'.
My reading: 9 h 09 min
